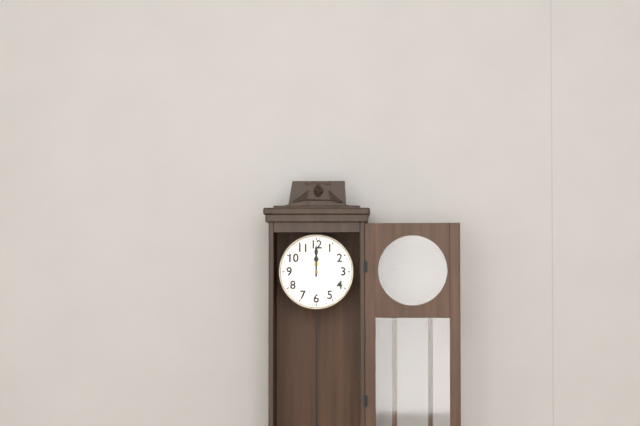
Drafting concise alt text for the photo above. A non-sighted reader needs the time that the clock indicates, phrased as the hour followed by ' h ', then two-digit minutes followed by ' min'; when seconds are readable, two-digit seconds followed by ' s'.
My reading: 12 h 00 min
